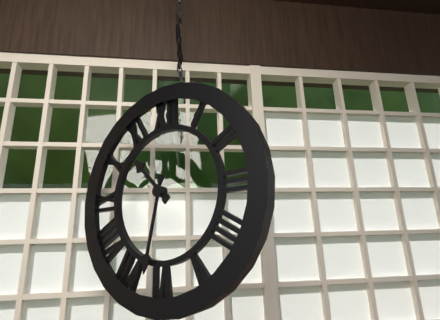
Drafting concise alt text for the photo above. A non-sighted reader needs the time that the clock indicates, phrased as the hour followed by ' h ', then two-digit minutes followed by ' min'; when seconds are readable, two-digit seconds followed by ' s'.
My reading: 10 h 32 min
